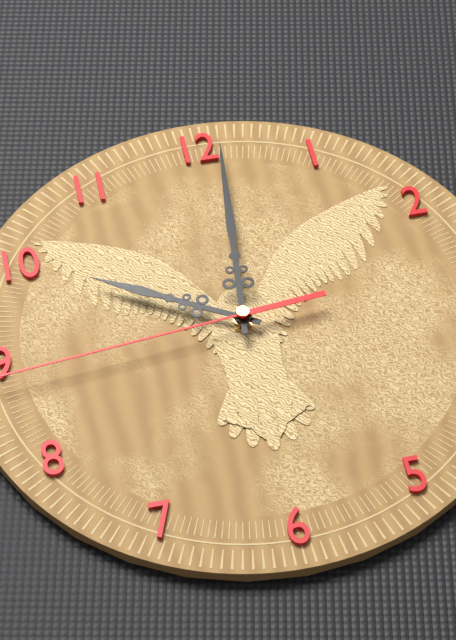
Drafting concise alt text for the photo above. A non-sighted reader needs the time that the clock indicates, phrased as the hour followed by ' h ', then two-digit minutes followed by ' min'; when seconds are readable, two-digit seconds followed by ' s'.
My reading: 10 h 01 min
